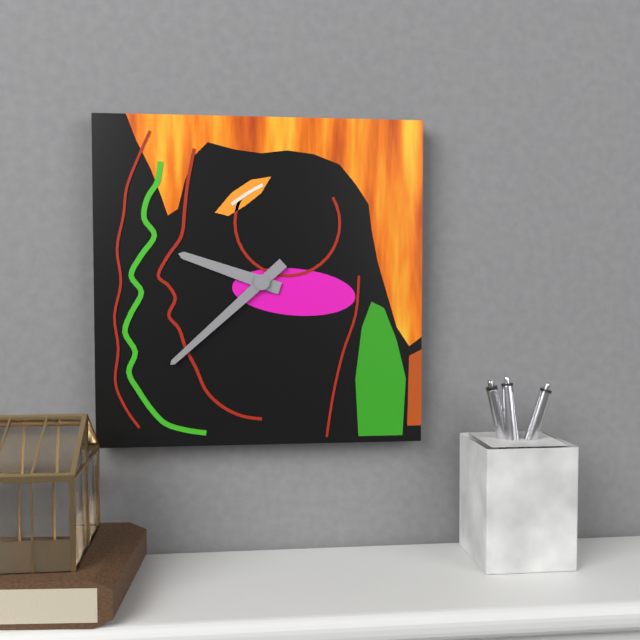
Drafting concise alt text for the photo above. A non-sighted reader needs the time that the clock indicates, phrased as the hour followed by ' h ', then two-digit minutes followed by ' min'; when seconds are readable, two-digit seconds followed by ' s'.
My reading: 9 h 38 min
